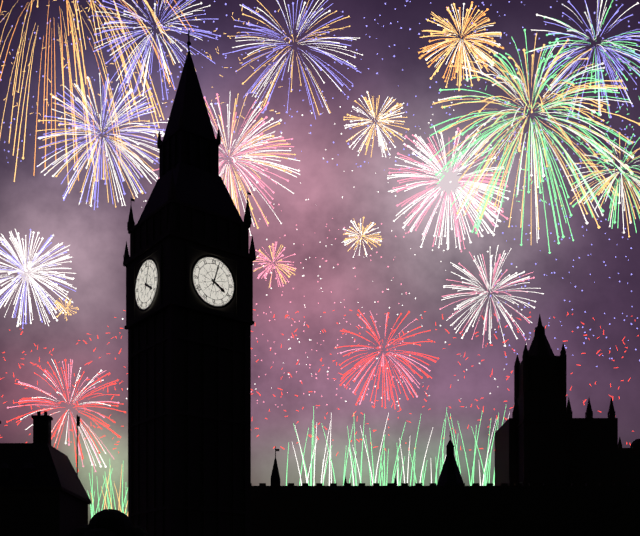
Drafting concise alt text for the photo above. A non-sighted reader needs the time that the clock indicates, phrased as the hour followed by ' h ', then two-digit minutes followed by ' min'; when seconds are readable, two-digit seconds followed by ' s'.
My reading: 4 h 03 min
